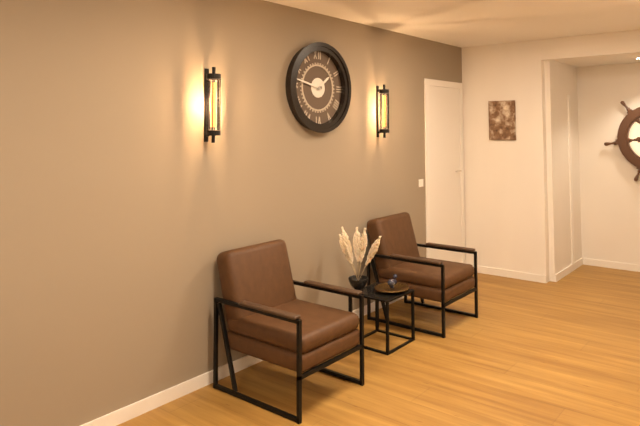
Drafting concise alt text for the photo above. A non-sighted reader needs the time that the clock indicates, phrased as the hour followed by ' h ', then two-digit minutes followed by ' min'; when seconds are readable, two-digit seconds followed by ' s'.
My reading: 1 h 47 min
